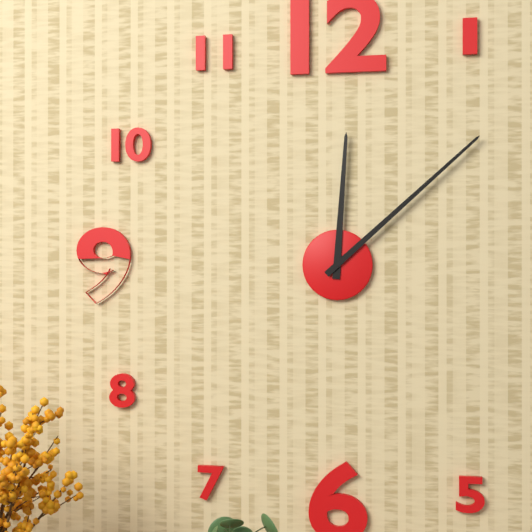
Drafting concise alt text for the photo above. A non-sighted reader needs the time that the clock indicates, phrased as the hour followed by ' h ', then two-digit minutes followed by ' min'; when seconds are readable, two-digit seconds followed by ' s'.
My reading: 12 h 08 min
